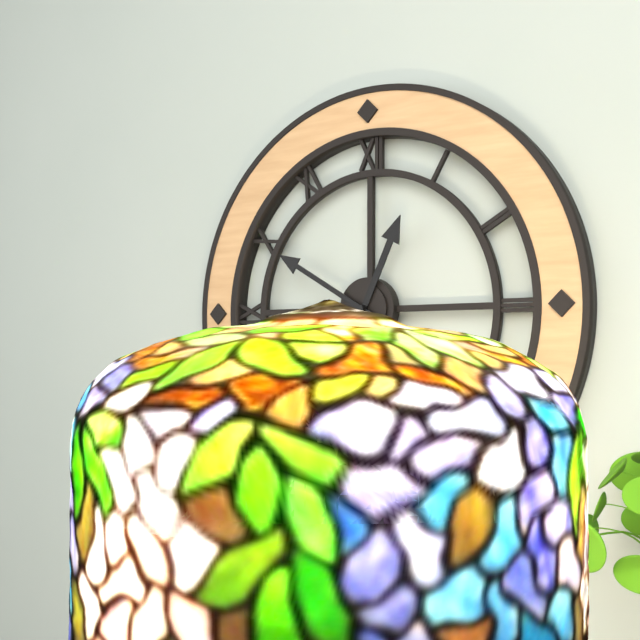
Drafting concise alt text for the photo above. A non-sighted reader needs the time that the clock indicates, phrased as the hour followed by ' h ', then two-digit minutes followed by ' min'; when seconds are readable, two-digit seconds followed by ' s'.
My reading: 12 h 50 min
